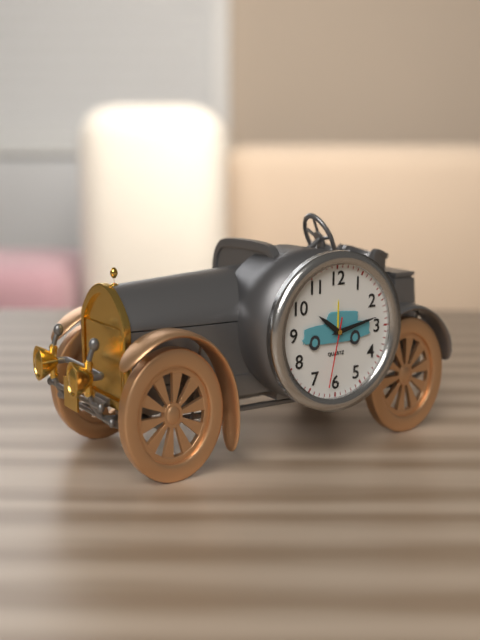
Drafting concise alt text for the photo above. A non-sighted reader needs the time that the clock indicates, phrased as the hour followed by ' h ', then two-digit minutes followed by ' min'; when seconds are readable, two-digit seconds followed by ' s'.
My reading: 10 h 13 min 32 s
